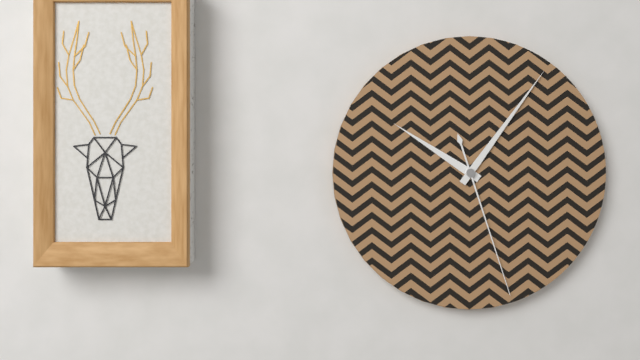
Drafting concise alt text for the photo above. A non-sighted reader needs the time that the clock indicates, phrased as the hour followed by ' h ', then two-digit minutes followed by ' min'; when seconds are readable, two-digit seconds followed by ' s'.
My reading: 10 h 06 min 27 s
